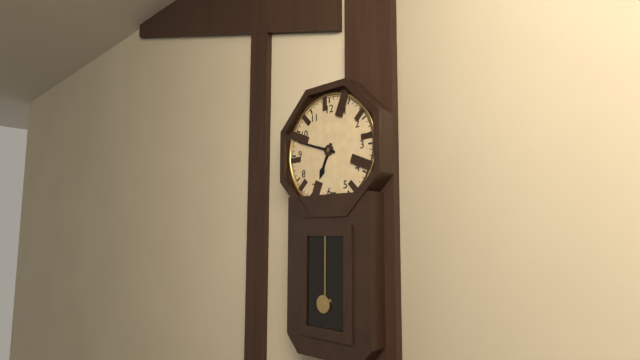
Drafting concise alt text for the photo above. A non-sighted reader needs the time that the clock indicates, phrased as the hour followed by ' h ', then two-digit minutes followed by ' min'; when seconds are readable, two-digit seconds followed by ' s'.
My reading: 6 h 48 min
